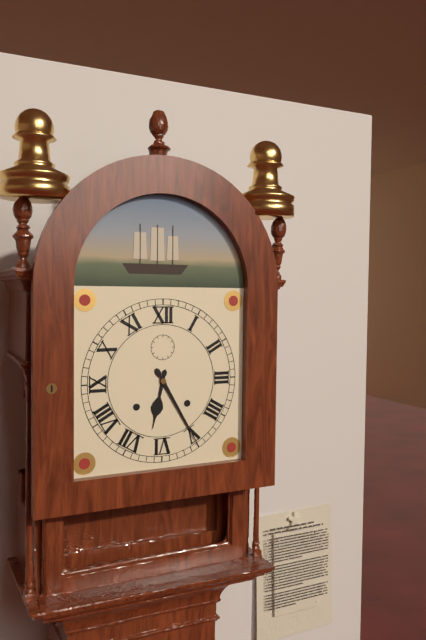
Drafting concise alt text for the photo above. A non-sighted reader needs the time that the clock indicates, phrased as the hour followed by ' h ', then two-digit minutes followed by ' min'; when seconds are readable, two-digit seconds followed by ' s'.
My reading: 6 h 25 min
